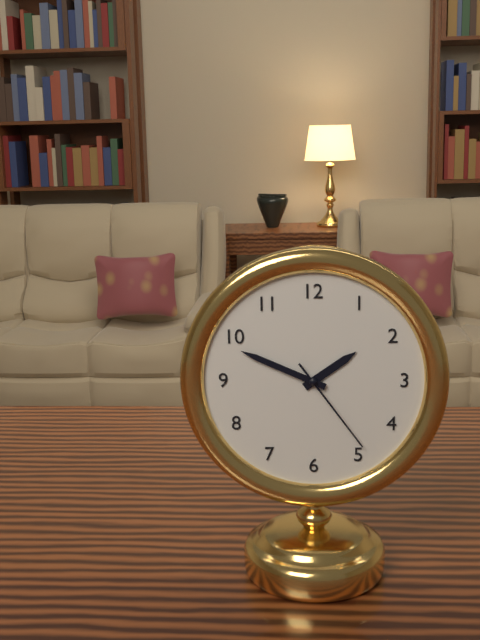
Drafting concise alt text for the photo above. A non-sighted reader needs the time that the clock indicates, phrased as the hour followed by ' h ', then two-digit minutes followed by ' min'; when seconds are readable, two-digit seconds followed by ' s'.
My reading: 1 h 49 min 24 s
